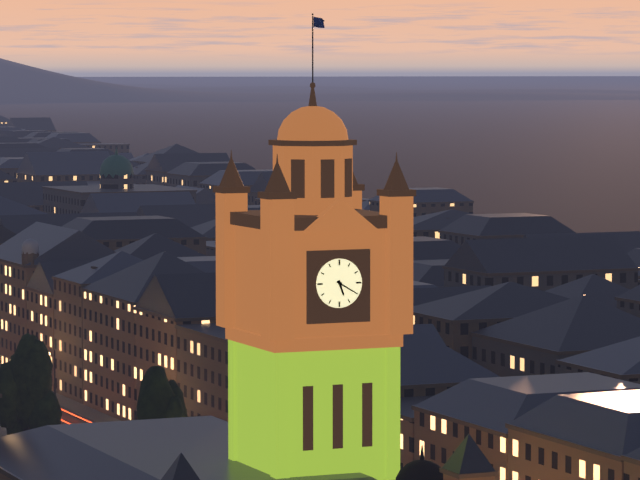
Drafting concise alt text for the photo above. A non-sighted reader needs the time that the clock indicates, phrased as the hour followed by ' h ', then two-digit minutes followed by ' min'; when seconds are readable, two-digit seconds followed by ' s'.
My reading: 5 h 20 min
